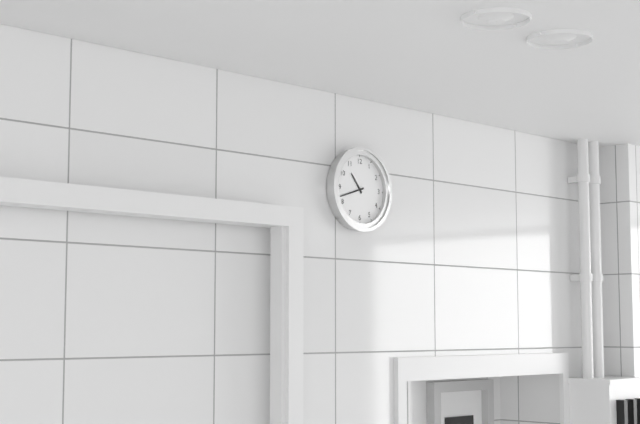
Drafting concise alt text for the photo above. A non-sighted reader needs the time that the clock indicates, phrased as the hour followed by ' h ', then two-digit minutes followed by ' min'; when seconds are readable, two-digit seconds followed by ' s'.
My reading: 10 h 42 min
